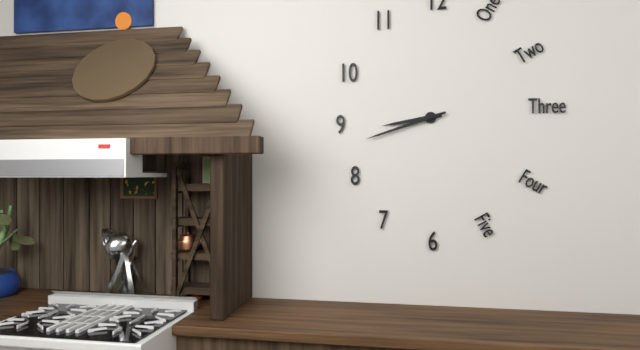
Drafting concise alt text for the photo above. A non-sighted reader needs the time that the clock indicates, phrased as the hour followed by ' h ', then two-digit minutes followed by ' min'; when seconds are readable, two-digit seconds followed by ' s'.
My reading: 8 h 42 min
